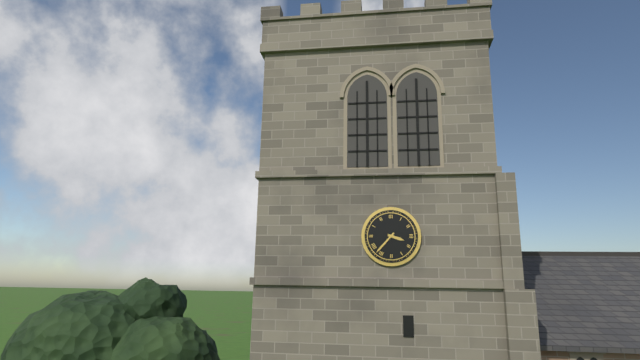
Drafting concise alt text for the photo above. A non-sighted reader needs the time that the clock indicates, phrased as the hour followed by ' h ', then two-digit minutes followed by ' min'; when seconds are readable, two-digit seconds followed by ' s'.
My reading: 3 h 37 min
